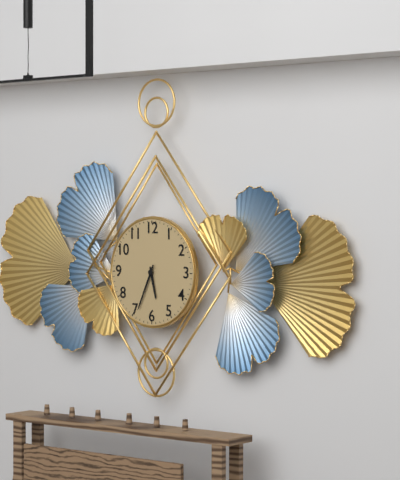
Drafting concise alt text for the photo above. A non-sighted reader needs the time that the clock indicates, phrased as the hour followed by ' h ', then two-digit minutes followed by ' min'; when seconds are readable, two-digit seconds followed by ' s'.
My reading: 5 h 34 min
